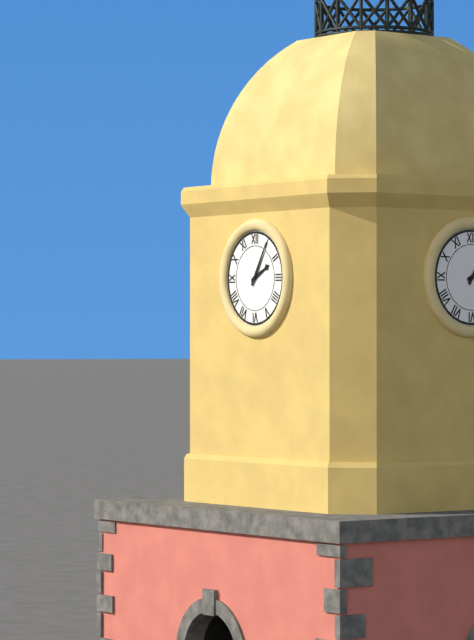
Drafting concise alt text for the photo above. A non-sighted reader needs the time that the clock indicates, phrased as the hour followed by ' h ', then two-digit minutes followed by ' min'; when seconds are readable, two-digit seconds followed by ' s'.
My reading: 2 h 05 min
